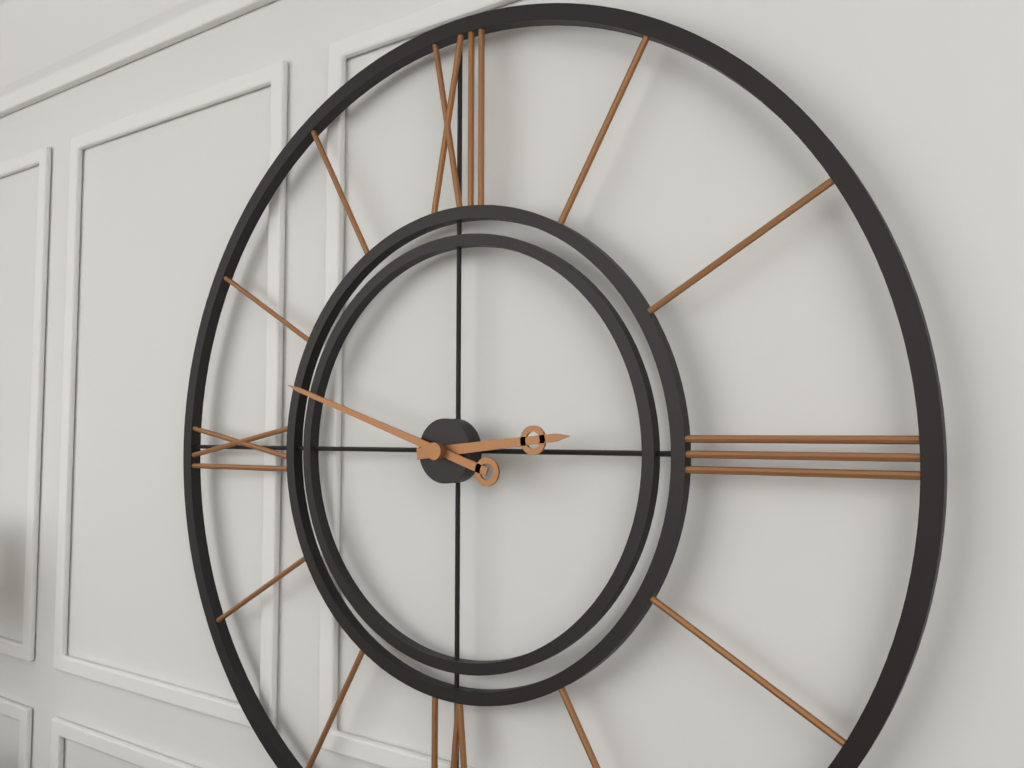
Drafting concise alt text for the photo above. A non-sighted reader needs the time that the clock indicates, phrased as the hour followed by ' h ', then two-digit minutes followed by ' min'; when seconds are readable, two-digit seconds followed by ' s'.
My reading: 2 h 48 min
